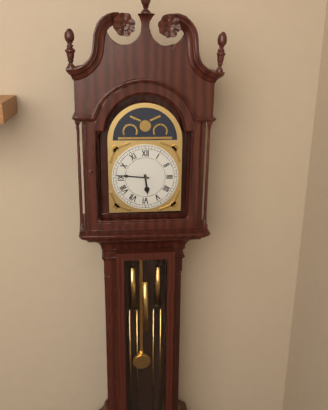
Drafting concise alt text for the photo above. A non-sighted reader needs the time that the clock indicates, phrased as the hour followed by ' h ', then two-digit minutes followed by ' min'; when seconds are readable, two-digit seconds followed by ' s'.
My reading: 5 h 46 min
